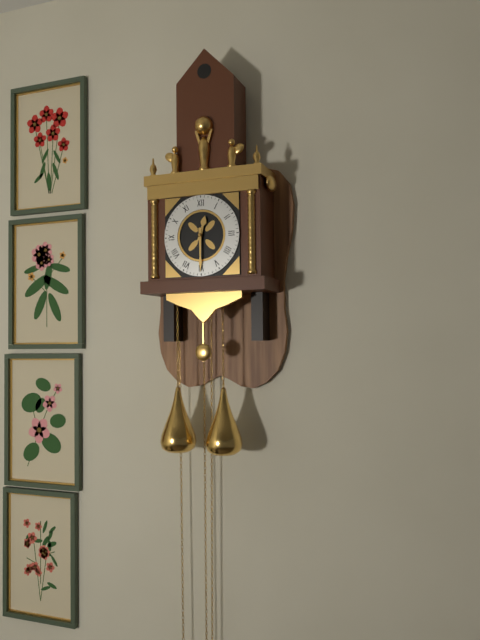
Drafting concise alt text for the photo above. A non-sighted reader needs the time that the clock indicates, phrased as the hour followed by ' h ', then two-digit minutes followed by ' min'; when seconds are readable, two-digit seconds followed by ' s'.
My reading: 12 h 30 min
